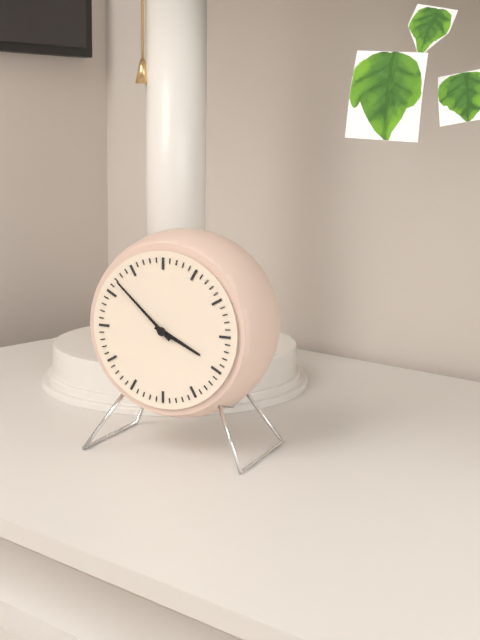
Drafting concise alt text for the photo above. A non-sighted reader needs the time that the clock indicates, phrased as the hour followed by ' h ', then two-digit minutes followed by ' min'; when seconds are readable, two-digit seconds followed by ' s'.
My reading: 3 h 52 min
